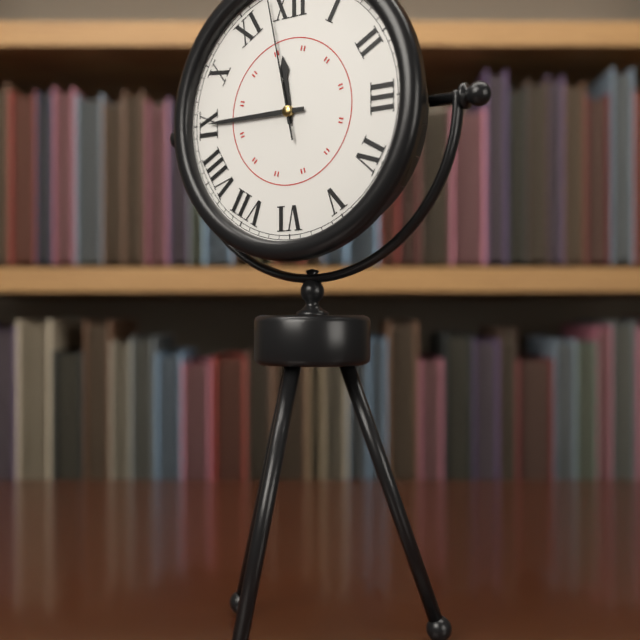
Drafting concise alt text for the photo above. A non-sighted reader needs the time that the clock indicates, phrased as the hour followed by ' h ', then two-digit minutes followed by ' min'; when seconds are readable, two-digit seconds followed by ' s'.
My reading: 11 h 45 min 58 s
